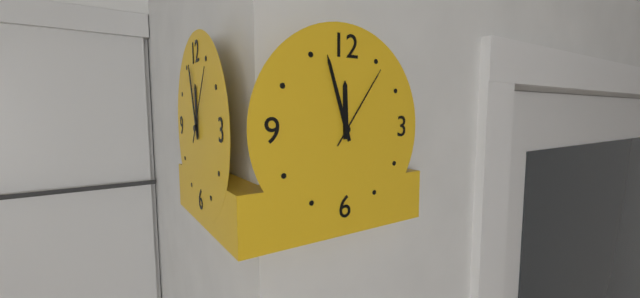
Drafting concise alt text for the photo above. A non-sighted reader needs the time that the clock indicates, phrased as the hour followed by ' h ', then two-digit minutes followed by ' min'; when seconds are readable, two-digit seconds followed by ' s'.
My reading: 11 h 57 min 06 s
